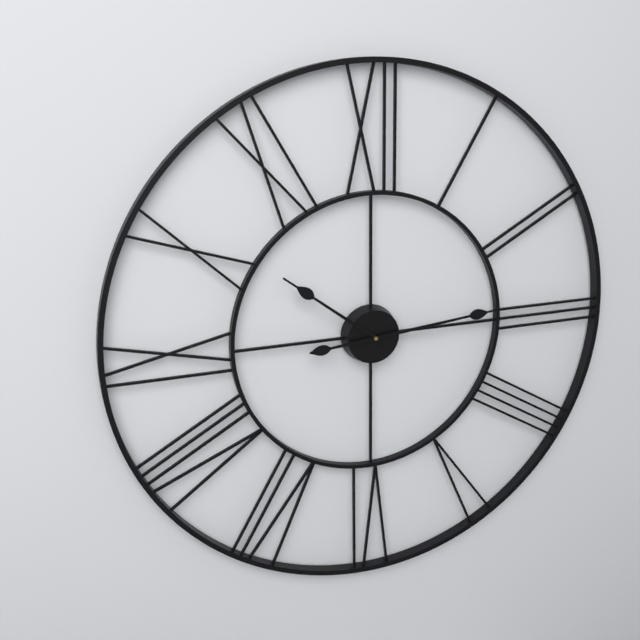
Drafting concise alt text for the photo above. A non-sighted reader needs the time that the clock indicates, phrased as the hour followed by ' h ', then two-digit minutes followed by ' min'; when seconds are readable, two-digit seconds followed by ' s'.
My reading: 10 h 14 min
